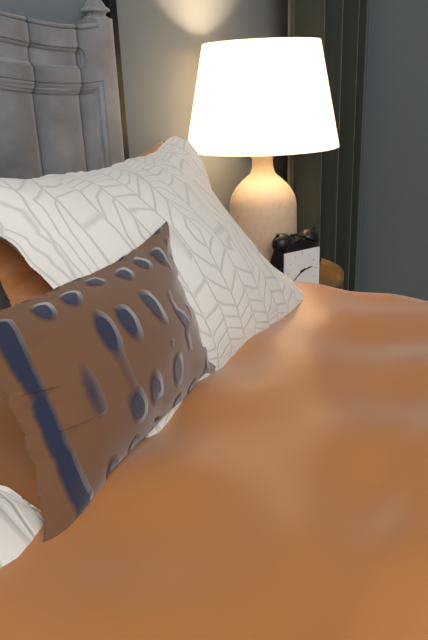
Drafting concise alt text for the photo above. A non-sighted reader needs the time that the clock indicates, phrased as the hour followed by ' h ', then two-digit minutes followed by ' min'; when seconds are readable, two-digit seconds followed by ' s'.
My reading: 2 h 39 min
